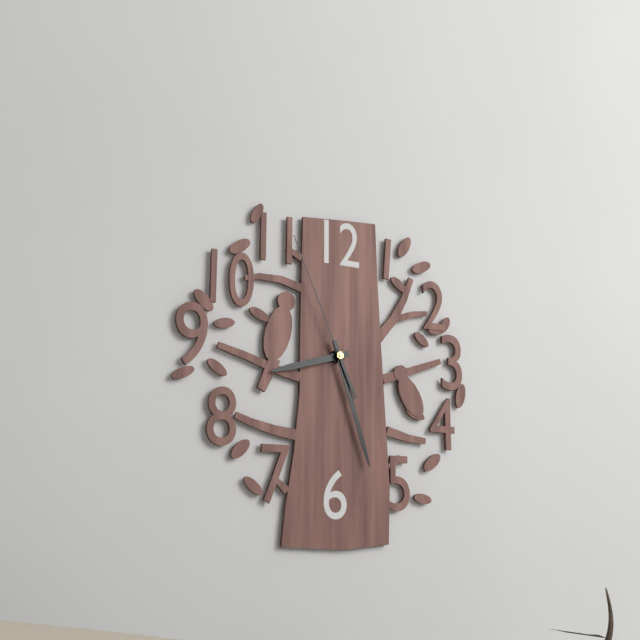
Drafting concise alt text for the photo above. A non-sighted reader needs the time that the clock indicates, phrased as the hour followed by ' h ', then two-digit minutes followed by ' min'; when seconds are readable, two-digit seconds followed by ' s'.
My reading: 8 h 27 min 56 s
